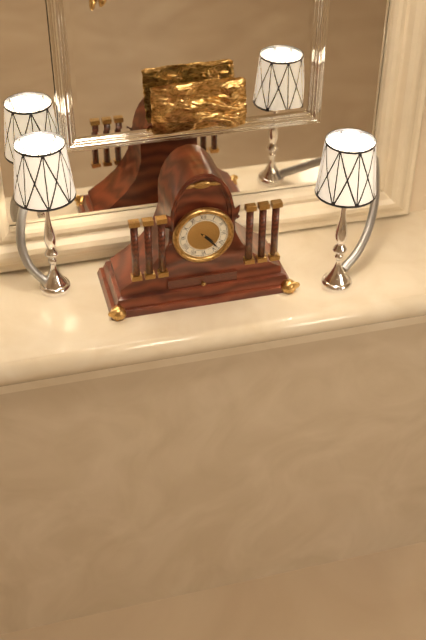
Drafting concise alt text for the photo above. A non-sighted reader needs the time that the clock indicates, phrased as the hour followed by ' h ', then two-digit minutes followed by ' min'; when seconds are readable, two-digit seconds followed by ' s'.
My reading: 4 h 23 min
